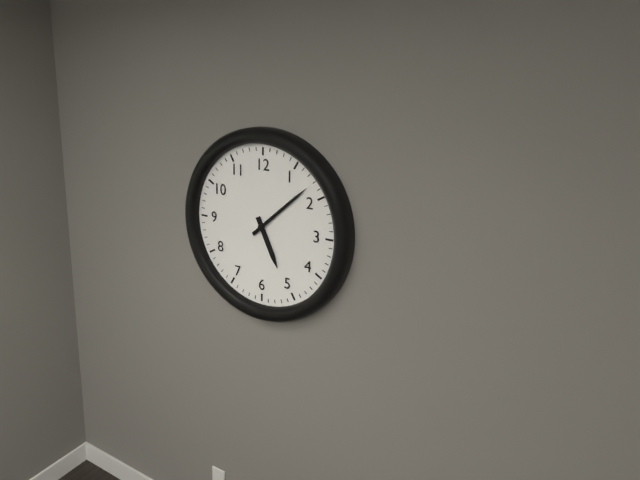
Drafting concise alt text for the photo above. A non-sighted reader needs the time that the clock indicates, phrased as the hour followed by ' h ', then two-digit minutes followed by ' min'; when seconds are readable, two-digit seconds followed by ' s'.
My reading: 5 h 08 min
